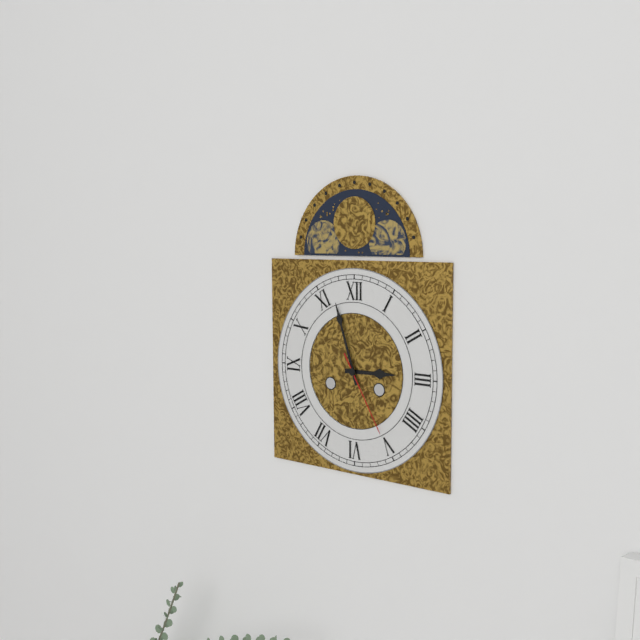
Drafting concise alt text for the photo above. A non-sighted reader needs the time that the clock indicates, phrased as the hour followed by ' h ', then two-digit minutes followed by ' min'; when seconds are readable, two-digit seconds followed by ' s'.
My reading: 2 h 57 min 25 s
